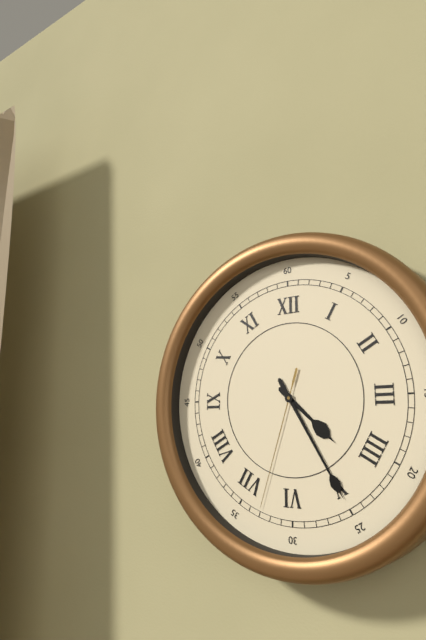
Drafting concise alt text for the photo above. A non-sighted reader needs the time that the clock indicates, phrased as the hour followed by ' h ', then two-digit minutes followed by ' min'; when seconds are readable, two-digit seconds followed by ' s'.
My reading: 4 h 25 min 33 s
